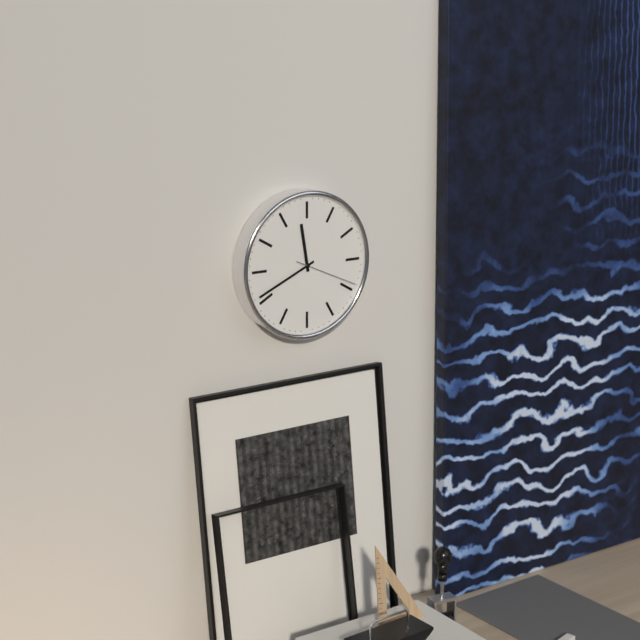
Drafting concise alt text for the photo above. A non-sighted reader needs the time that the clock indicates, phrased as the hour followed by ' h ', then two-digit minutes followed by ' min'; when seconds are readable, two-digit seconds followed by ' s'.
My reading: 11 h 41 min 19 s
